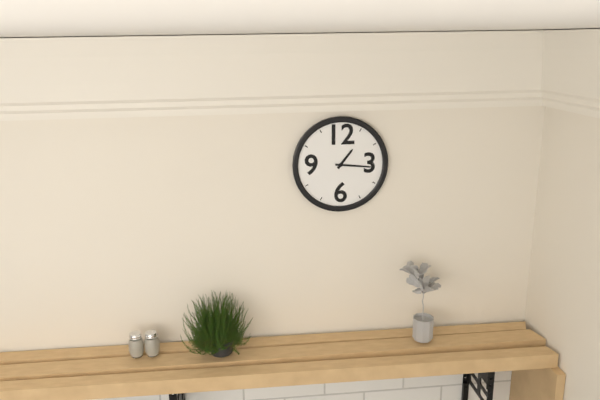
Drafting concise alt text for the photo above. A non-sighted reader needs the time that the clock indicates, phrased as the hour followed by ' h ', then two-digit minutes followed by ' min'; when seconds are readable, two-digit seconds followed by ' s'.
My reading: 1 h 16 min
